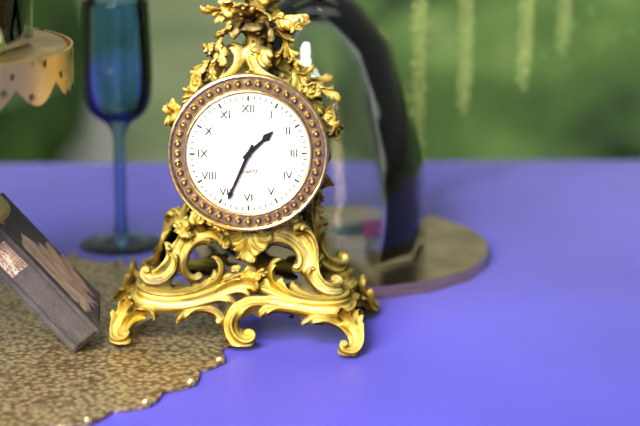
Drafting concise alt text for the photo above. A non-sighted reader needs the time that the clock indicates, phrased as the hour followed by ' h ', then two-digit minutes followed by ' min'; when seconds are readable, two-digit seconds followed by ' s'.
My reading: 1 h 34 min
